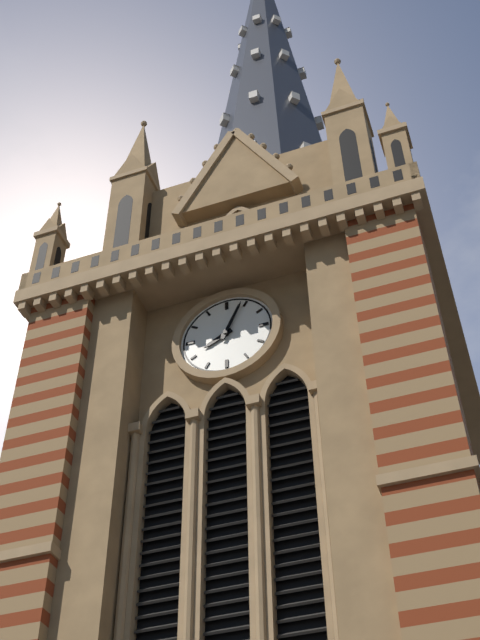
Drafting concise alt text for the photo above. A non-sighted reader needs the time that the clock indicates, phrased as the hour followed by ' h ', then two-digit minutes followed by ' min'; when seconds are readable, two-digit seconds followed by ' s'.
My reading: 8 h 04 min
